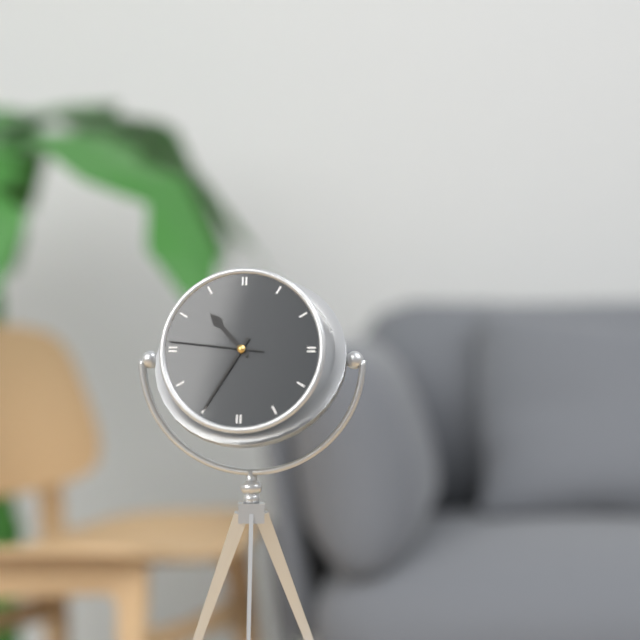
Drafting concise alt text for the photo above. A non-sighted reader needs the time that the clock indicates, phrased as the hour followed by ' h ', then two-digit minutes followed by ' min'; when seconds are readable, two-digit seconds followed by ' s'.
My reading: 10 h 35 min 46 s
